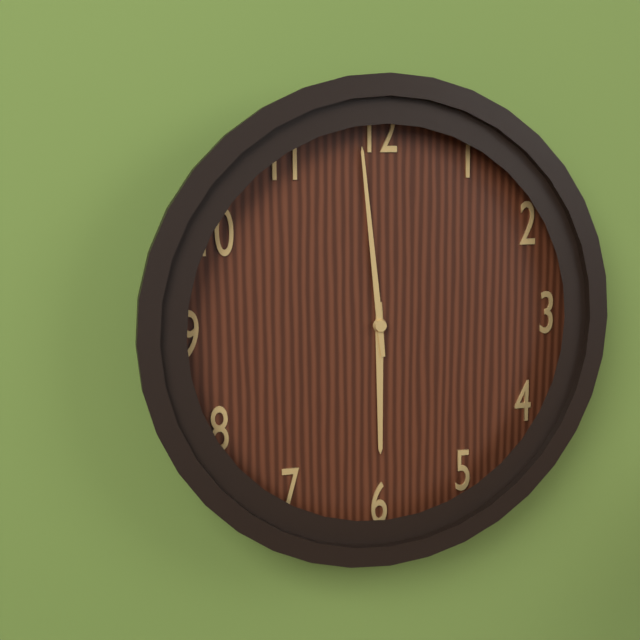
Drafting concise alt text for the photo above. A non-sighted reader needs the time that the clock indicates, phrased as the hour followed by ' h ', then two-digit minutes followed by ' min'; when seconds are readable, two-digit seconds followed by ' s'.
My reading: 5 h 59 min
